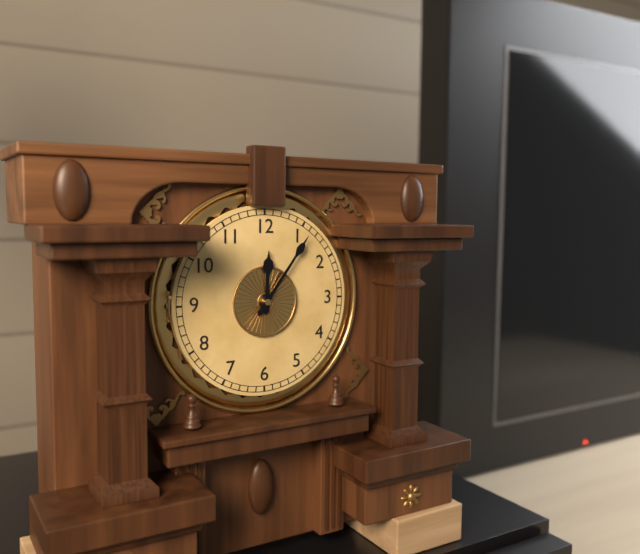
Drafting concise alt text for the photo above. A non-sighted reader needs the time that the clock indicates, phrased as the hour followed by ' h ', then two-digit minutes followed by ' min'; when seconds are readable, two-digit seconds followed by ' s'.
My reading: 12 h 06 min
